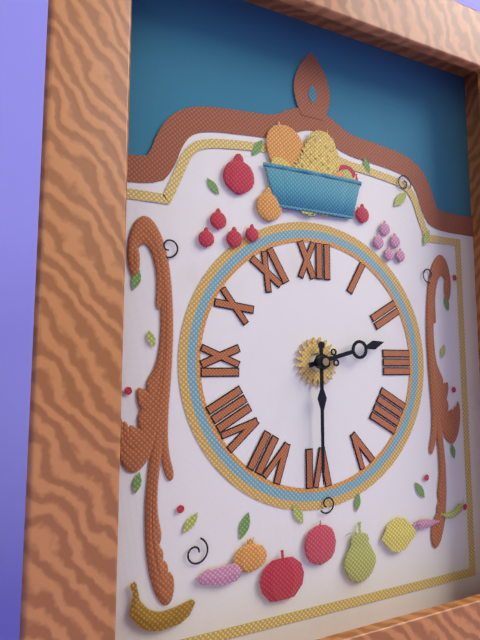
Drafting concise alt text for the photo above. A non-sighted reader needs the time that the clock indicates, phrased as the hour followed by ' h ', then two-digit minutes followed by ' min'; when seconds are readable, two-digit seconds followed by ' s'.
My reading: 2 h 30 min
